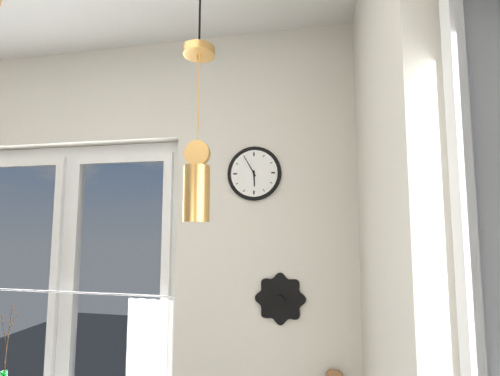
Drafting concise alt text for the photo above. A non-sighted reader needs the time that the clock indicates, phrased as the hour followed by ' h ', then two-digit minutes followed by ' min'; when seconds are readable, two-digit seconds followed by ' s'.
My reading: 5 h 55 min
